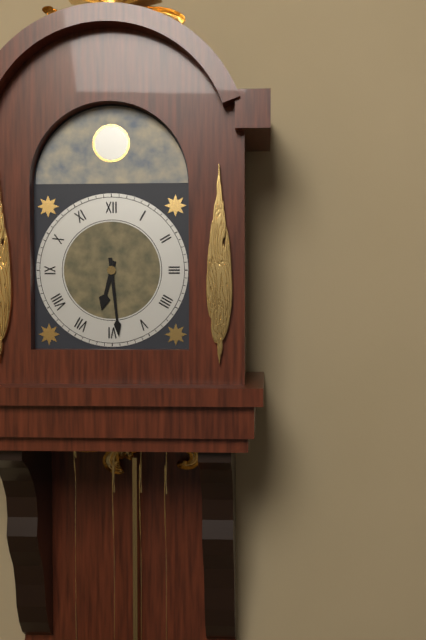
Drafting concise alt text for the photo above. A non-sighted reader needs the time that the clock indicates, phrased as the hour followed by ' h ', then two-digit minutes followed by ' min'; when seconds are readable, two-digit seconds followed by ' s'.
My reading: 6 h 29 min
